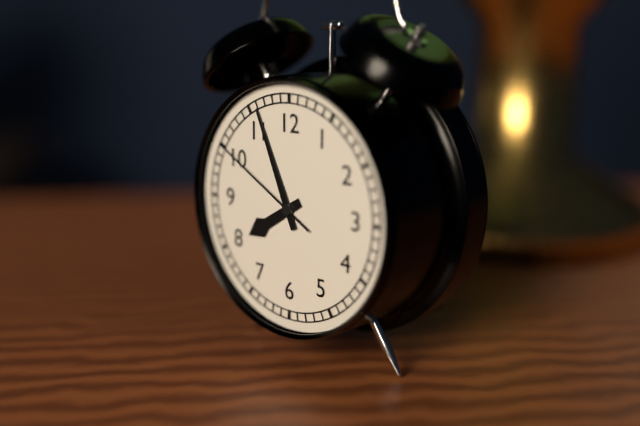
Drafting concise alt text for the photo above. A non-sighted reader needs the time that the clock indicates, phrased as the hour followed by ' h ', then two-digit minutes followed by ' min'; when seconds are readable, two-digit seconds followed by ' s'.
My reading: 7 h 56 min 50 s
